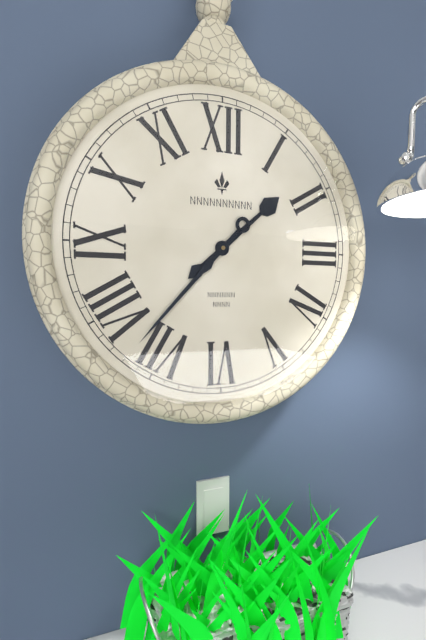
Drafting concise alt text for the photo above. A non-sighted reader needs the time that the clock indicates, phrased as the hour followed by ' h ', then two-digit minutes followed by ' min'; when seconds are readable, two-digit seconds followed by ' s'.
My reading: 1 h 37 min
